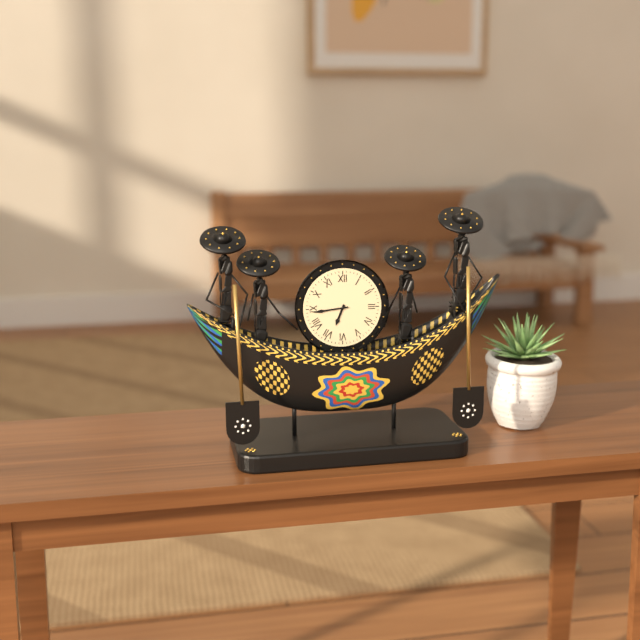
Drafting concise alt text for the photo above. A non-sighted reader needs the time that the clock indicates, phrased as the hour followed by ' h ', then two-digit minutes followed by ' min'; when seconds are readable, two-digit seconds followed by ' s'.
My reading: 6 h 44 min
